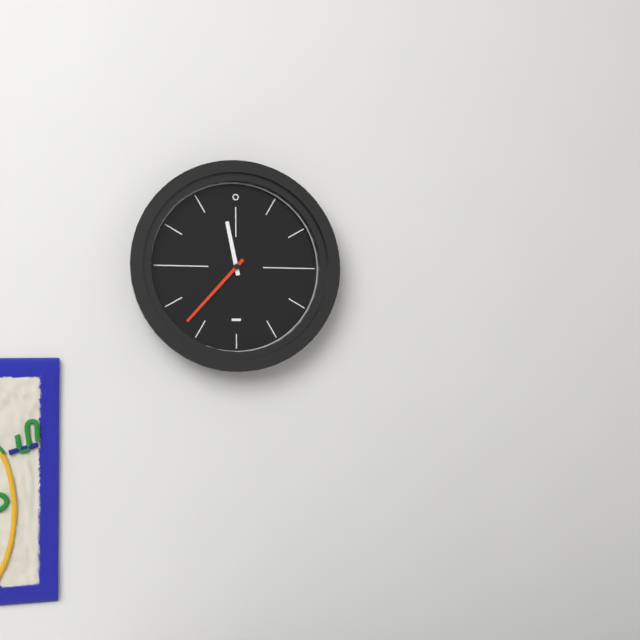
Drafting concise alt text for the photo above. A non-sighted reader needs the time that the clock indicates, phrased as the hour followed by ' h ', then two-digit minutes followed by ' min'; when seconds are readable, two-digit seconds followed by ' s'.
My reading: 11 h 37 min
